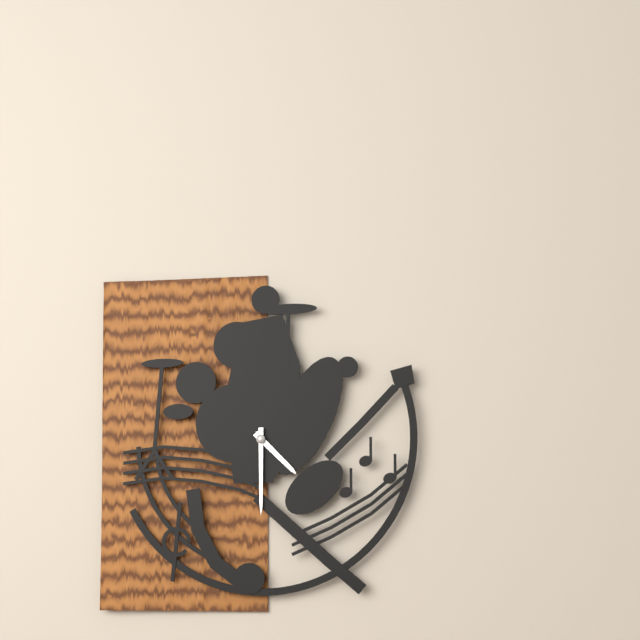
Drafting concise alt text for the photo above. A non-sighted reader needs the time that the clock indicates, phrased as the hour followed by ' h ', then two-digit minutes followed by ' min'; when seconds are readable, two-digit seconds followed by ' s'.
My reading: 4 h 30 min
